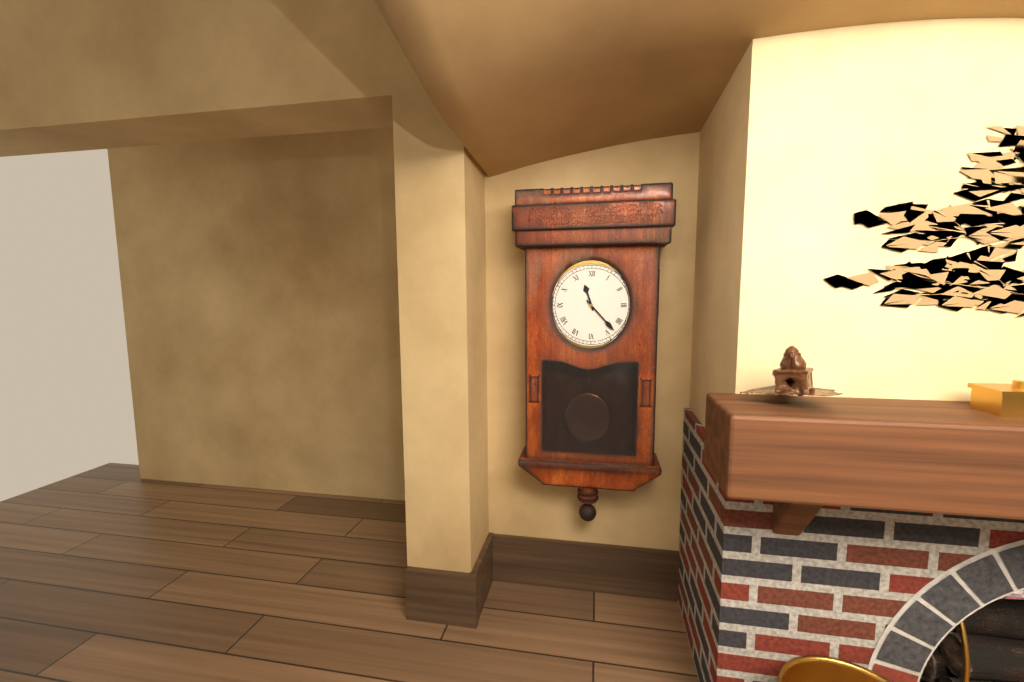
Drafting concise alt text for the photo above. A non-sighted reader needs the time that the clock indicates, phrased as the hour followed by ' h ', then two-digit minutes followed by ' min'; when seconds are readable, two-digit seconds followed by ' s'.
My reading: 11 h 23 min
